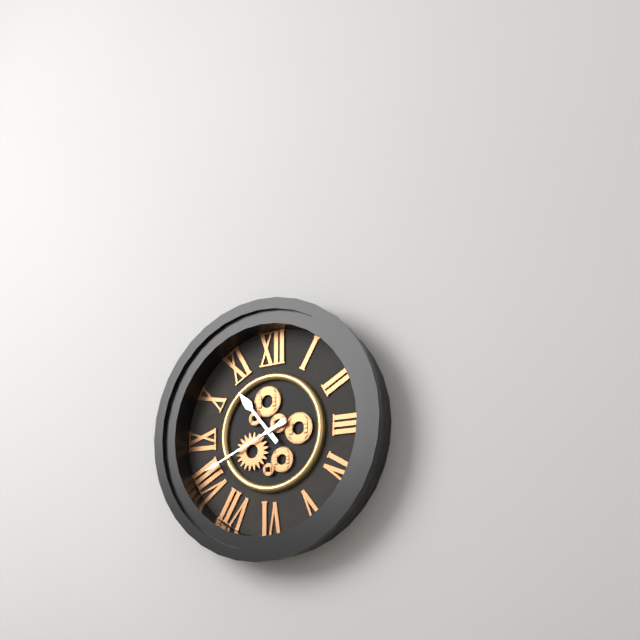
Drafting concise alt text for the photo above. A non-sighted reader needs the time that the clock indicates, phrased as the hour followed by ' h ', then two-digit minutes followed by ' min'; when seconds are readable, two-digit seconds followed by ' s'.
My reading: 10 h 41 min
